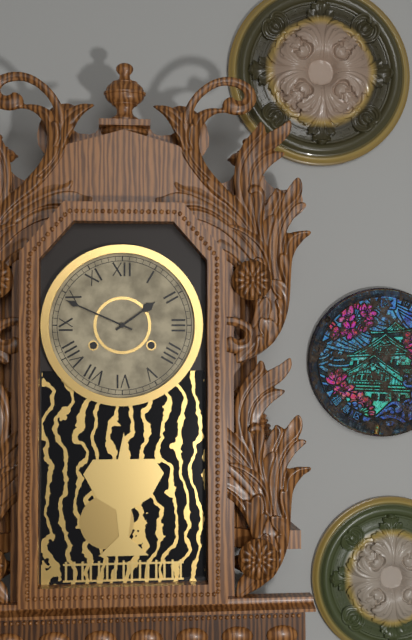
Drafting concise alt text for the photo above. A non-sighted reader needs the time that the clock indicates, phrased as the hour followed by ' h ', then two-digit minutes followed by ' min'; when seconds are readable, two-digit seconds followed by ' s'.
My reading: 1 h 49 min
